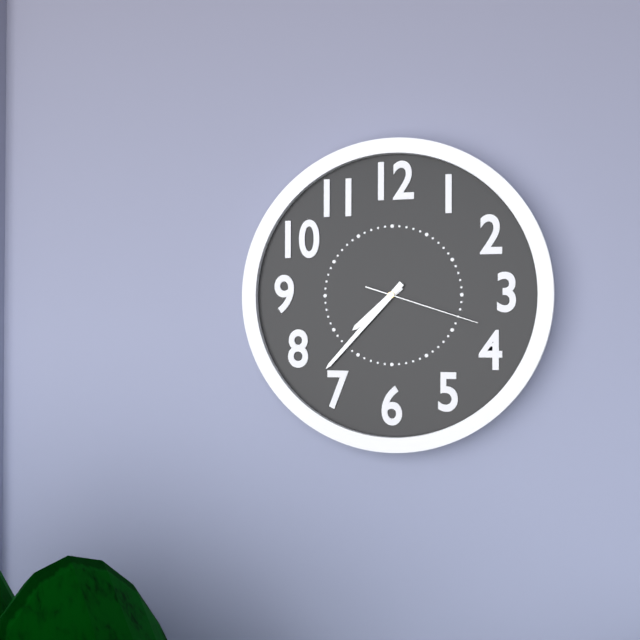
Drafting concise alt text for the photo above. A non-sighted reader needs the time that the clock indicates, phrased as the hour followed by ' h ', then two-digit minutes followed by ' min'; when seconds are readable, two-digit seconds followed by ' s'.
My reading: 7 h 37 min 18 s
